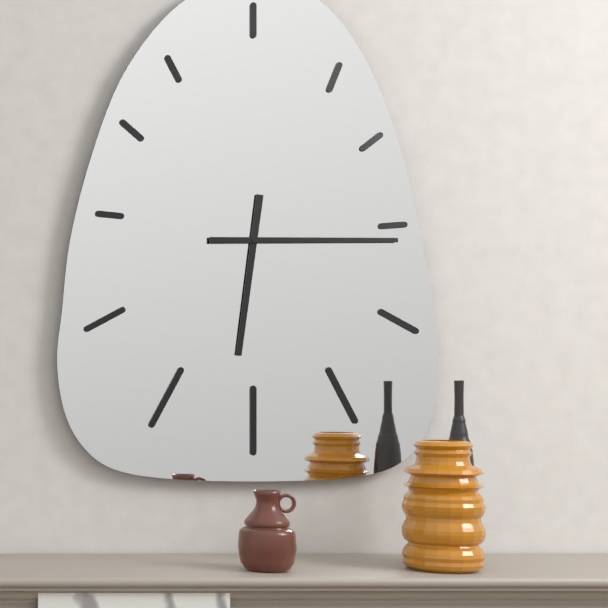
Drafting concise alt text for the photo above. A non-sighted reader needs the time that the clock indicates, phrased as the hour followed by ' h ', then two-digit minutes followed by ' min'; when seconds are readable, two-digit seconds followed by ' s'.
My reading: 6 h 15 min
